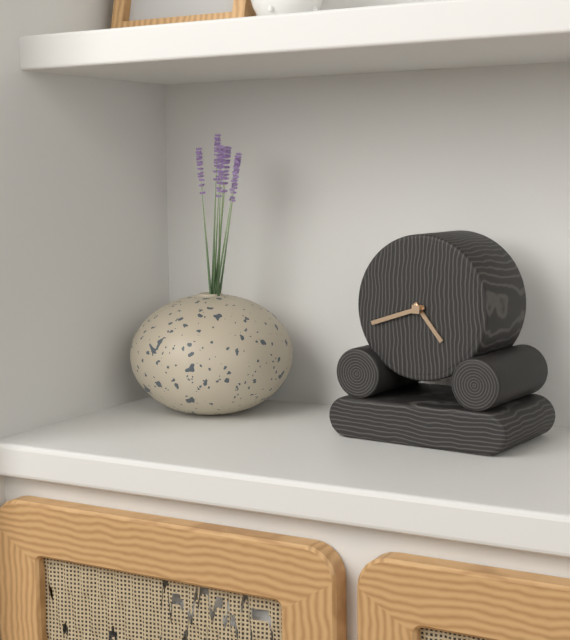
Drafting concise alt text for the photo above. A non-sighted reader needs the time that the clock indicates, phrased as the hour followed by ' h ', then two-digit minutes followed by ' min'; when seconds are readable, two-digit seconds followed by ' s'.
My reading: 4 h 42 min
